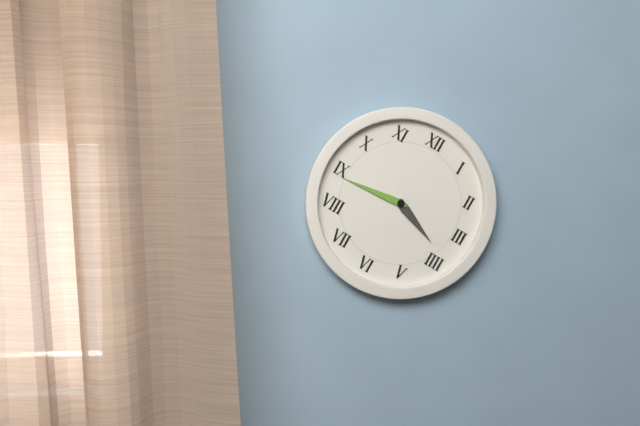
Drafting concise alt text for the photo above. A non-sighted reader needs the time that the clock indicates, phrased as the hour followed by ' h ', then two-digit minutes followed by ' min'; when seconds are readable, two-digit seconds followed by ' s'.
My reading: 3 h 44 min
